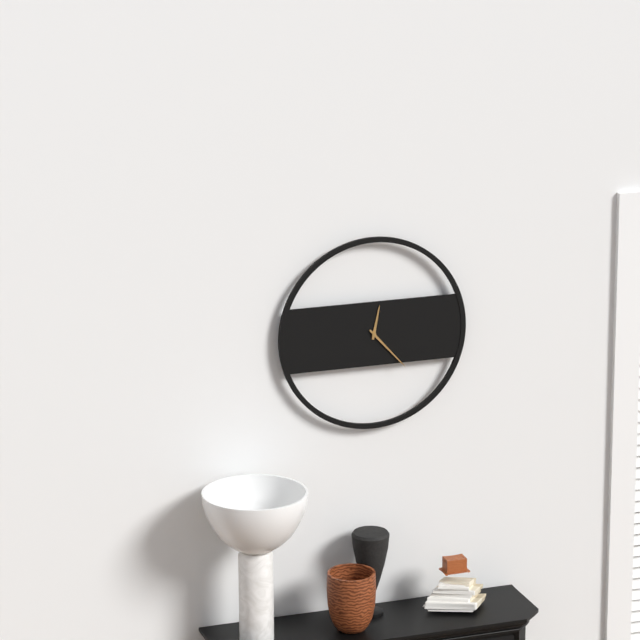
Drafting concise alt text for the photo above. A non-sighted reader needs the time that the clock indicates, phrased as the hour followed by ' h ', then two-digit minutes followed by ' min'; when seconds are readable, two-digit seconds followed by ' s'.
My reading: 12 h 23 min
